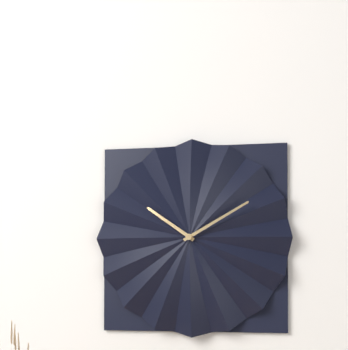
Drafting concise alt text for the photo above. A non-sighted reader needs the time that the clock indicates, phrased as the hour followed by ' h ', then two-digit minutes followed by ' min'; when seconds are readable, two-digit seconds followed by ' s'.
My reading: 10 h 10 min
